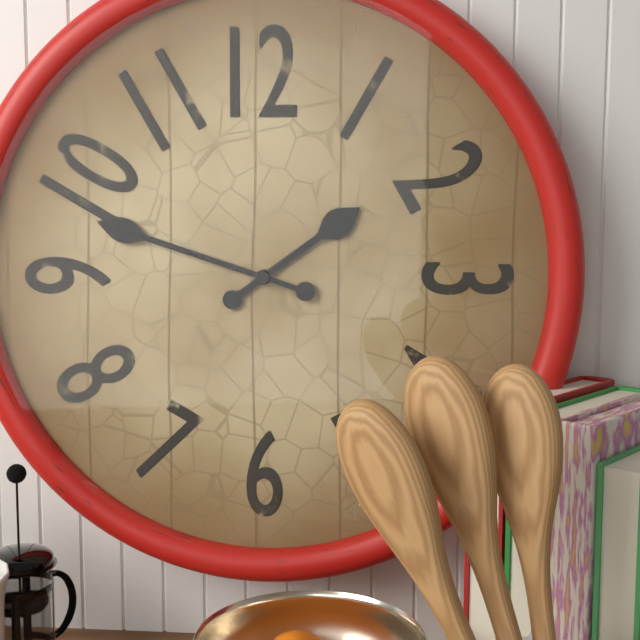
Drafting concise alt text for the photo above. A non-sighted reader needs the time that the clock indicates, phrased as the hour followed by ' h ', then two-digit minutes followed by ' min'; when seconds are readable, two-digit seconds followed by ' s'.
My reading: 1 h 48 min
